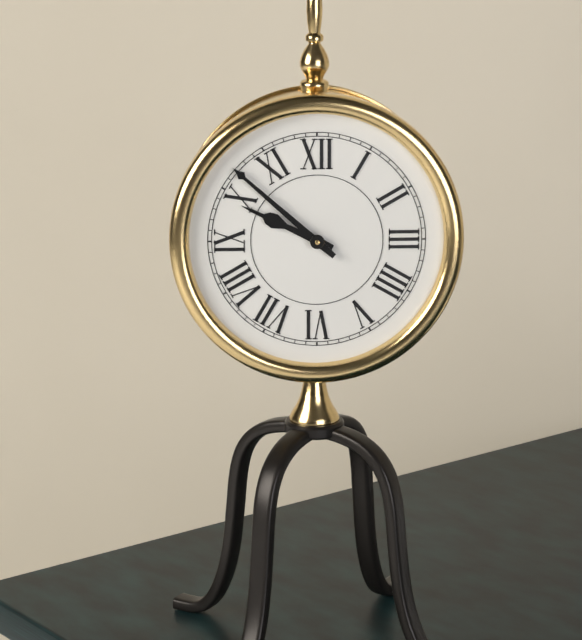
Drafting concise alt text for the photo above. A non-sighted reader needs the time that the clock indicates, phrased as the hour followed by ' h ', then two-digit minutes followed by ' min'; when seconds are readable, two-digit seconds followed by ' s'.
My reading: 9 h 52 min
